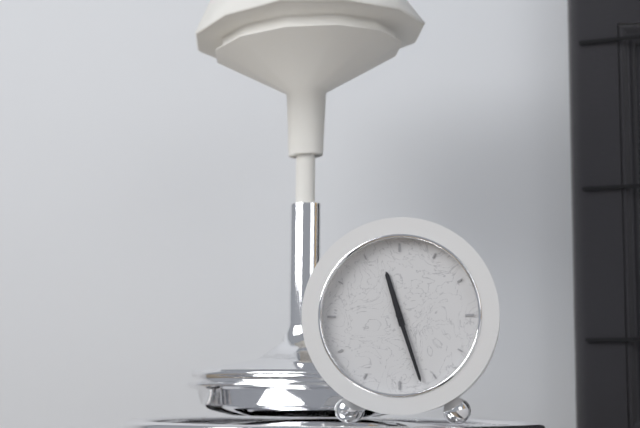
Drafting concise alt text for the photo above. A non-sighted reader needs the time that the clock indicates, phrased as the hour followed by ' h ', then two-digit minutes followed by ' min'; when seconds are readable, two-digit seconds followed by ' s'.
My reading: 11 h 27 min
